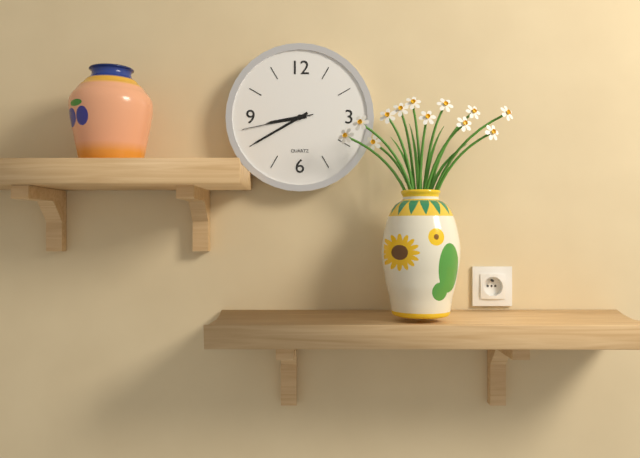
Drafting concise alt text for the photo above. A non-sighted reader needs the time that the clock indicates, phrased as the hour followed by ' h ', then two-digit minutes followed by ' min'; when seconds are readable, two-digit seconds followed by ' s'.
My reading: 8 h 40 min 43 s
